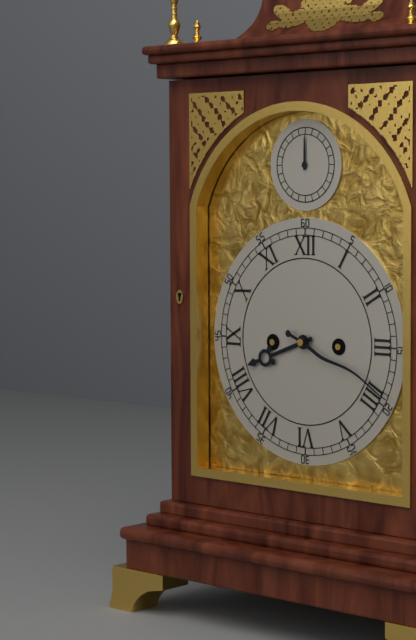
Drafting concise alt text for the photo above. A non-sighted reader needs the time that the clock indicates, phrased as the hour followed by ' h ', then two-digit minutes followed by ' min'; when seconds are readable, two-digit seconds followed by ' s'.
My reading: 8 h 19 min
